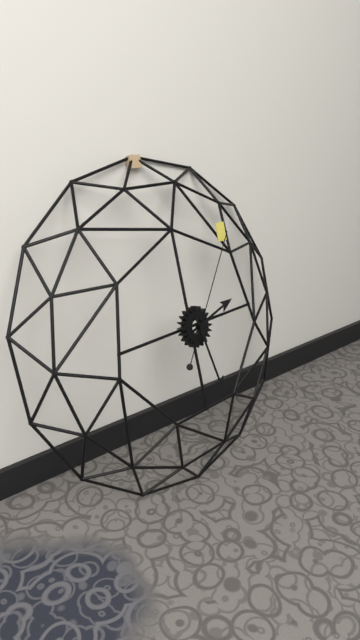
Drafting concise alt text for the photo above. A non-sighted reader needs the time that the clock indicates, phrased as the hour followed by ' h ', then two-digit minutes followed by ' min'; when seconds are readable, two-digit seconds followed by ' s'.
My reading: 2 h 28 min 06 s
